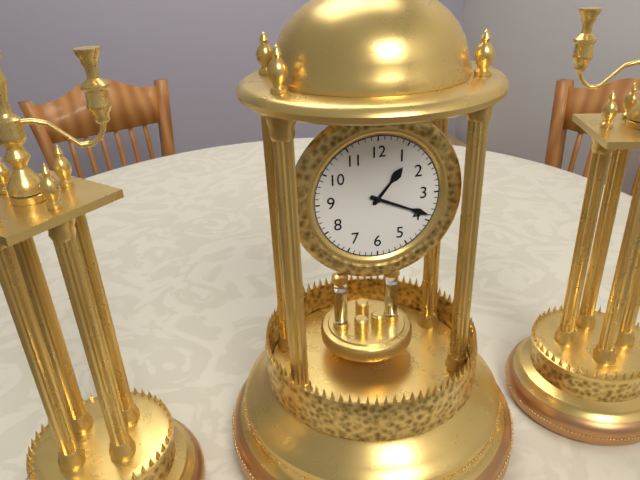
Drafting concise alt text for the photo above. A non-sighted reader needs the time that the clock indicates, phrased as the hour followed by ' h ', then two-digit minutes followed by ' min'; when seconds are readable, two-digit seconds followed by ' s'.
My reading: 1 h 19 min
